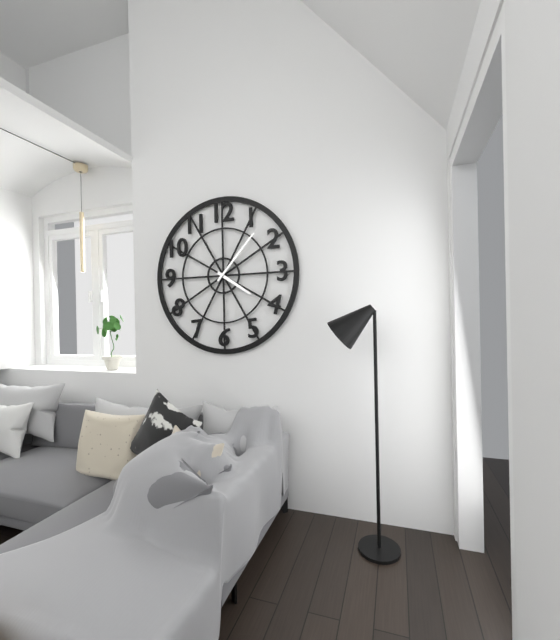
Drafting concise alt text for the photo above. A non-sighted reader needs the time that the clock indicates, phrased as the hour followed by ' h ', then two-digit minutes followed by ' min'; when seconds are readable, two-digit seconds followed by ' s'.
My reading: 4 h 07 min
